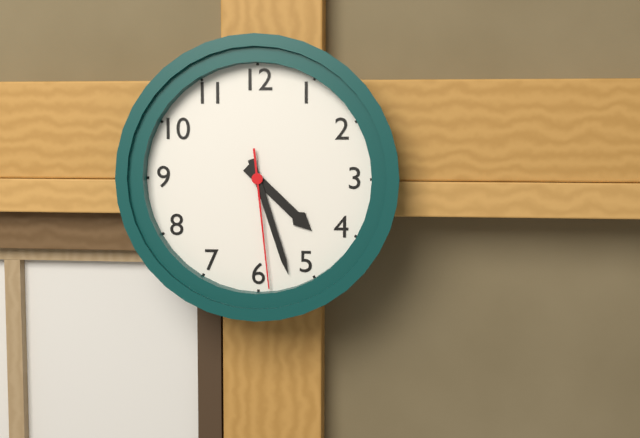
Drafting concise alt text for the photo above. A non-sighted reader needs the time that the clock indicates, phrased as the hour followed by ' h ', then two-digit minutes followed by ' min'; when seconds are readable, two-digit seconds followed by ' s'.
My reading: 4 h 27 min 29 s
